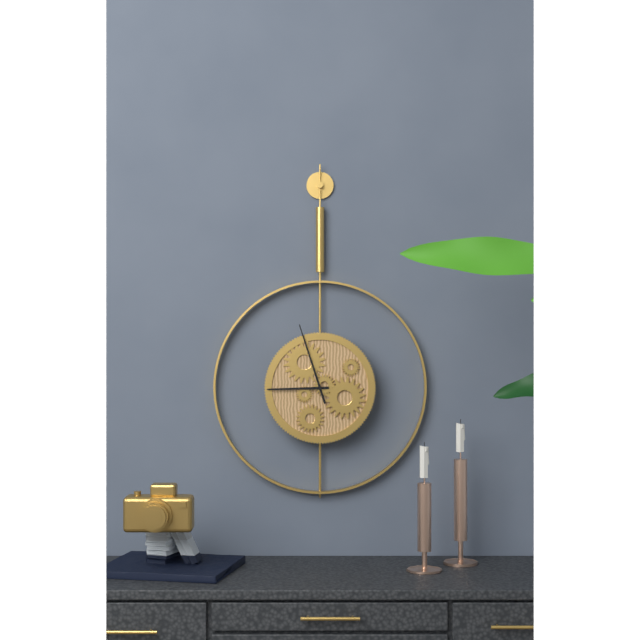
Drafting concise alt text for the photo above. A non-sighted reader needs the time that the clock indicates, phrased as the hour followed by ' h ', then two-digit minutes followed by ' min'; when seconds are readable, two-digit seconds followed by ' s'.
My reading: 8 h 57 min
